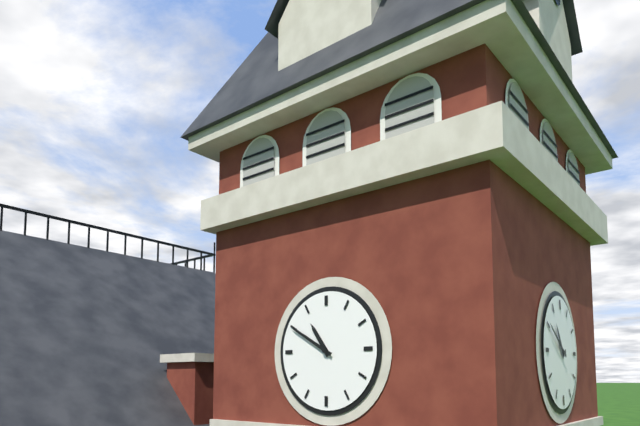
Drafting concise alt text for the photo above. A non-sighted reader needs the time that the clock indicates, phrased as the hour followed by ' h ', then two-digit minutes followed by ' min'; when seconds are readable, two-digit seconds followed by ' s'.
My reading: 10 h 50 min
